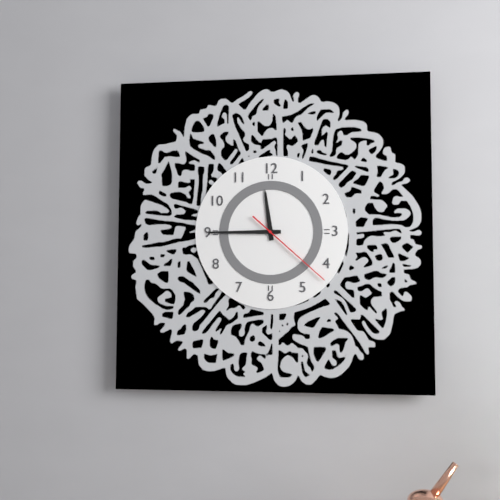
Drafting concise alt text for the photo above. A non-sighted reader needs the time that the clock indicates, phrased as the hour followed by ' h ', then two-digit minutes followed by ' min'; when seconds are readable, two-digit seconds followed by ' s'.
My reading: 11 h 45 min 22 s
